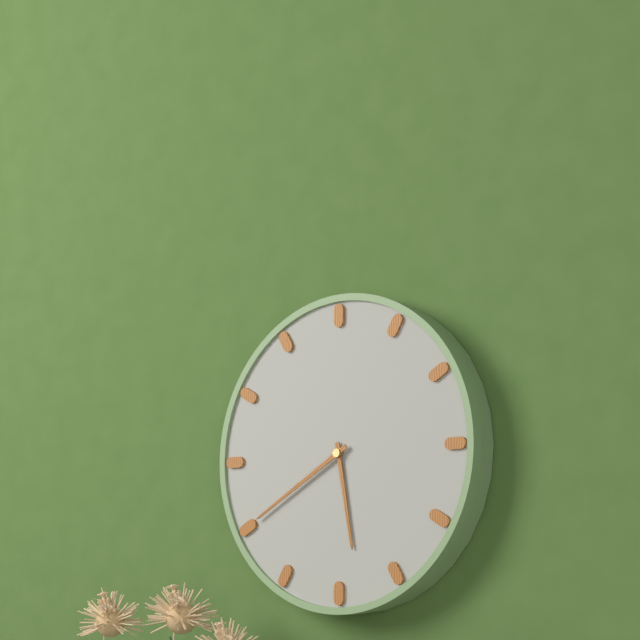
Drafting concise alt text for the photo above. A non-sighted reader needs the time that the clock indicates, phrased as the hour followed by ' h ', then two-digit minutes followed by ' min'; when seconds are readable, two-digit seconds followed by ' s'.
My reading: 5 h 40 min
